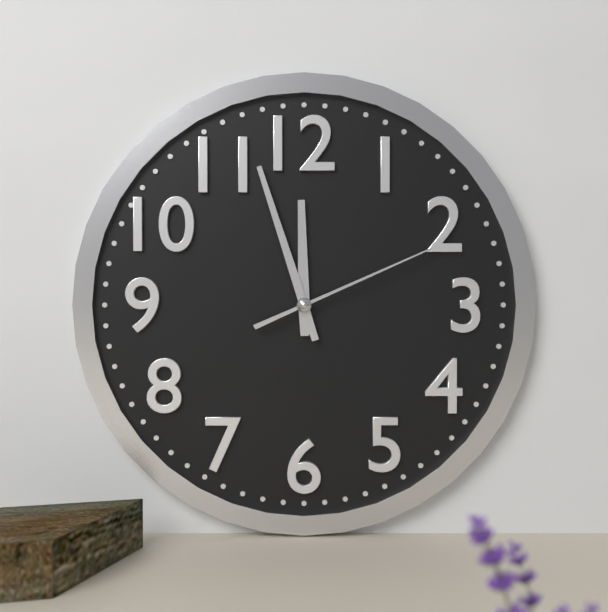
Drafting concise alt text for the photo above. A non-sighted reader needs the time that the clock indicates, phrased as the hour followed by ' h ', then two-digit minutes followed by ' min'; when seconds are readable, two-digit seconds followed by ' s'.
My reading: 11 h 57 min 11 s
